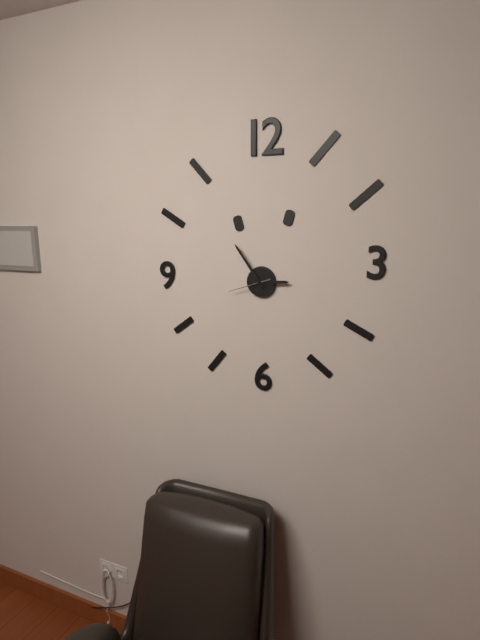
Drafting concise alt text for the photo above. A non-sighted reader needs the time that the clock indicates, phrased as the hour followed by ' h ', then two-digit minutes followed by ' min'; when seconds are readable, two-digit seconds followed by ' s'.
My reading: 2 h 54 min
